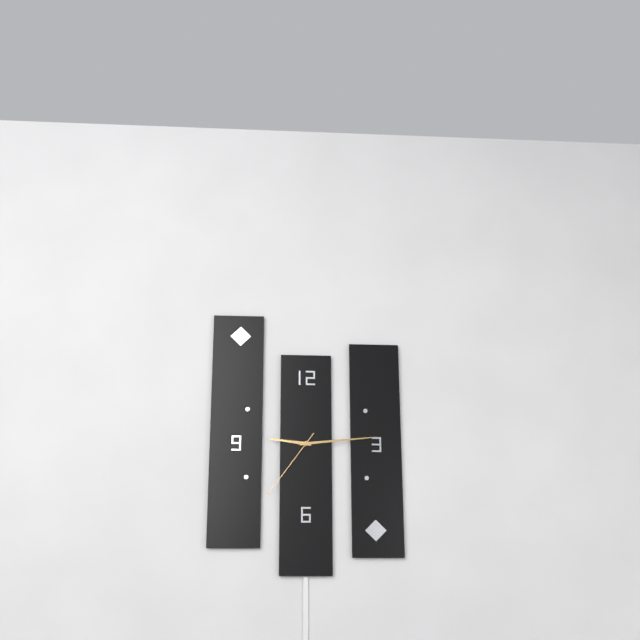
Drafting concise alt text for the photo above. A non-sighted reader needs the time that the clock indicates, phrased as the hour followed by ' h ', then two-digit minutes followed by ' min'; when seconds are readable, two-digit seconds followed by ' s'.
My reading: 9 h 14 min 36 s
